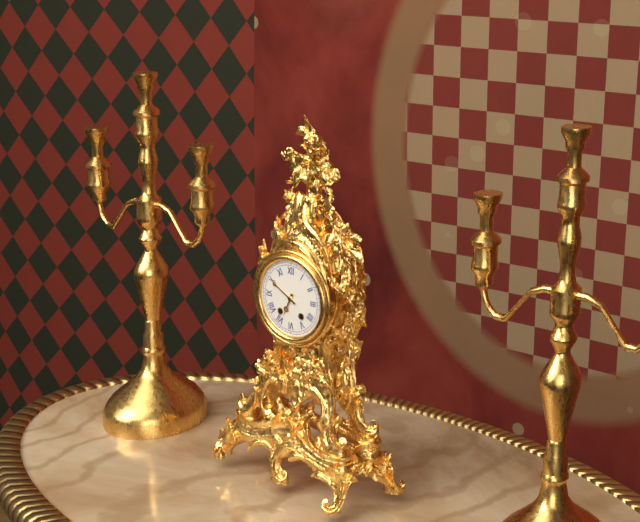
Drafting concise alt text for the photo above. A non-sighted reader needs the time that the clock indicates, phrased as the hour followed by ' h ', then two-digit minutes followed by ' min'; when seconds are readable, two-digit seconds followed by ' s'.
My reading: 6 h 50 min
